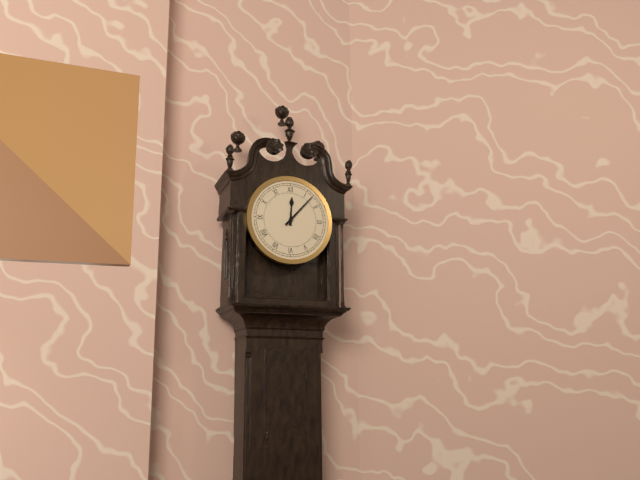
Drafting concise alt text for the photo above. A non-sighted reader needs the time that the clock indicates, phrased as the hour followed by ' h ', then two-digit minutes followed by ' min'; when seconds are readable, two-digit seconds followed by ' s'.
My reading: 12 h 07 min
